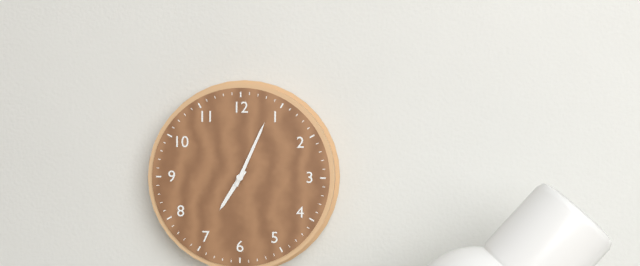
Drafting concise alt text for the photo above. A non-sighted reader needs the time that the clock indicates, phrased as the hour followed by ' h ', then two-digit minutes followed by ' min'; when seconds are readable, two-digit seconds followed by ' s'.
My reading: 7 h 04 min
